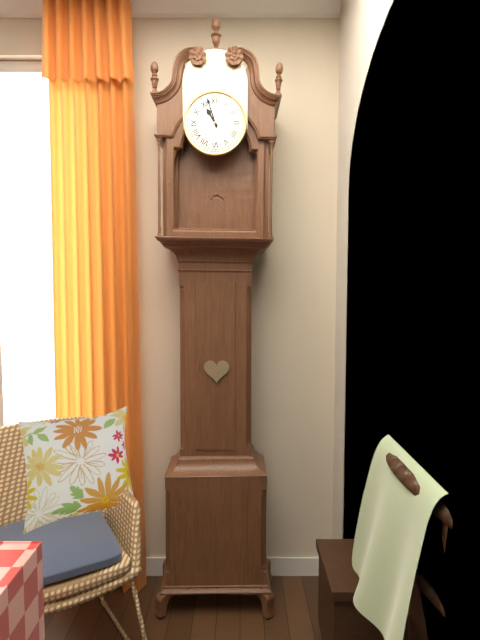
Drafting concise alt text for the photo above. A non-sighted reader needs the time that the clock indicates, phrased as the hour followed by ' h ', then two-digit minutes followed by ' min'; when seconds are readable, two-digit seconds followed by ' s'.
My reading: 10 h 57 min
